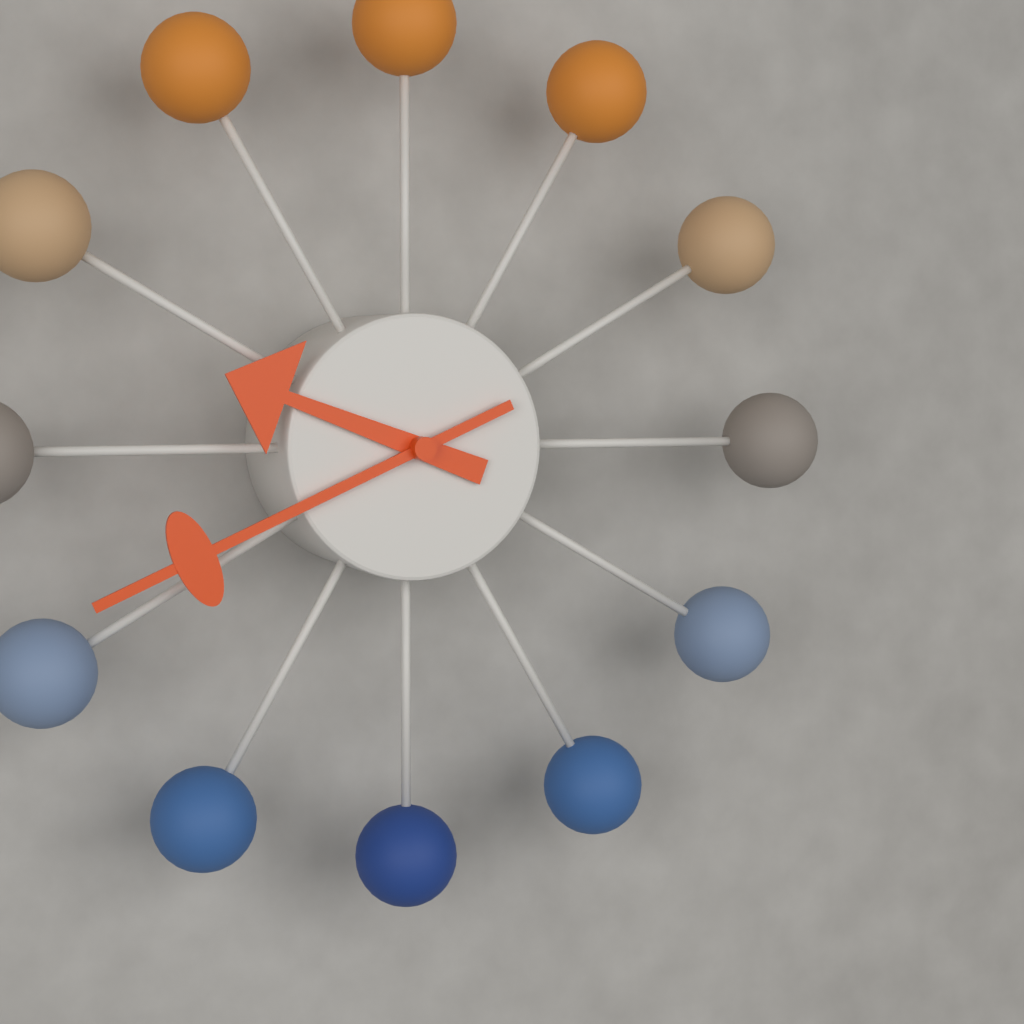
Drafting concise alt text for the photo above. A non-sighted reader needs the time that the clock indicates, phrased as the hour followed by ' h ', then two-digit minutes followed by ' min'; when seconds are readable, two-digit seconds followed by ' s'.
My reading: 9 h 41 min
